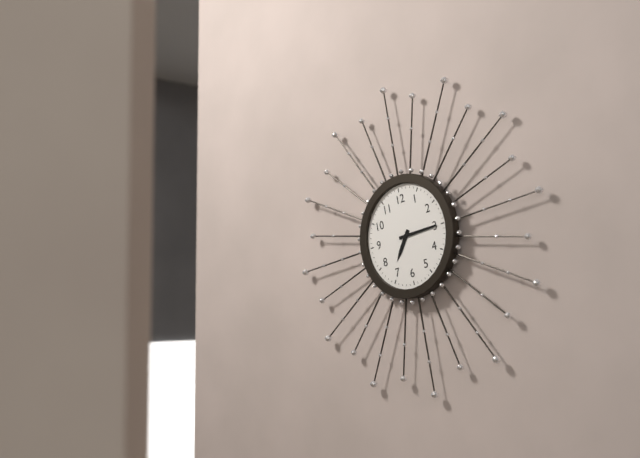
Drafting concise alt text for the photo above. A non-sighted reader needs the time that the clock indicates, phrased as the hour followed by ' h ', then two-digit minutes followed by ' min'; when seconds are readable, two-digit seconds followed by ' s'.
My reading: 7 h 15 min
